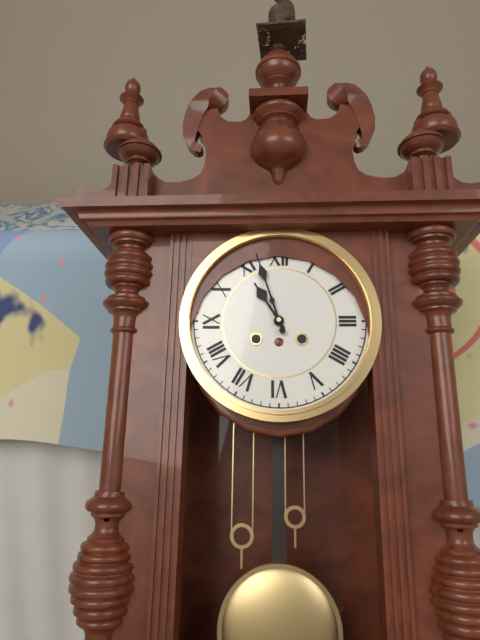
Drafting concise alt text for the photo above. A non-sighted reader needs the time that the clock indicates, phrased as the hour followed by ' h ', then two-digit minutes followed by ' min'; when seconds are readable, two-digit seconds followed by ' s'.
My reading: 10 h 57 min
